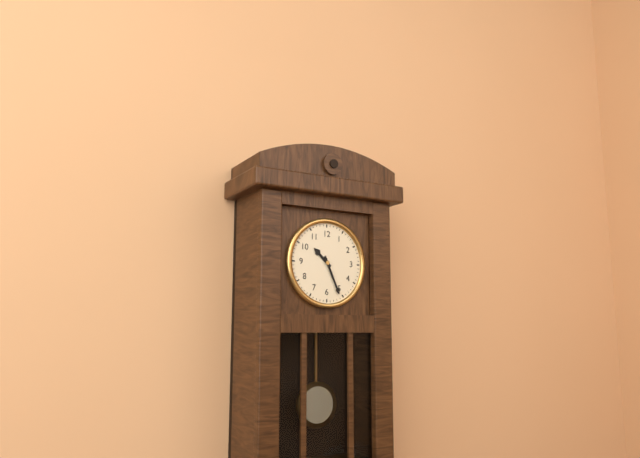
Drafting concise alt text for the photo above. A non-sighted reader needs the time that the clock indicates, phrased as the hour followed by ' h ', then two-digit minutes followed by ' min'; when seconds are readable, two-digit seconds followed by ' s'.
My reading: 10 h 26 min
